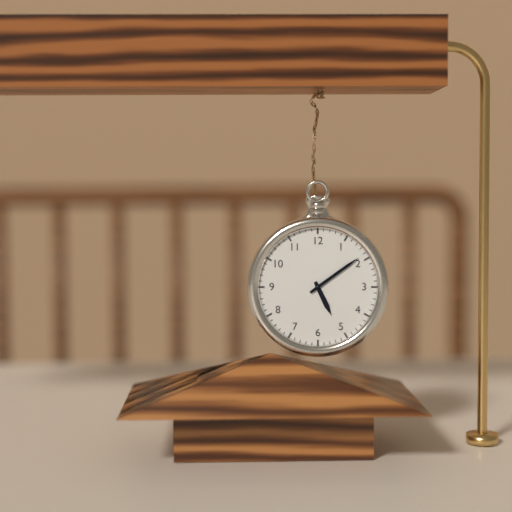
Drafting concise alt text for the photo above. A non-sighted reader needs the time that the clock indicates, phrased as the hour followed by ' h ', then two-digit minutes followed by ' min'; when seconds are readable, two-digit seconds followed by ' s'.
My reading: 5 h 09 min
